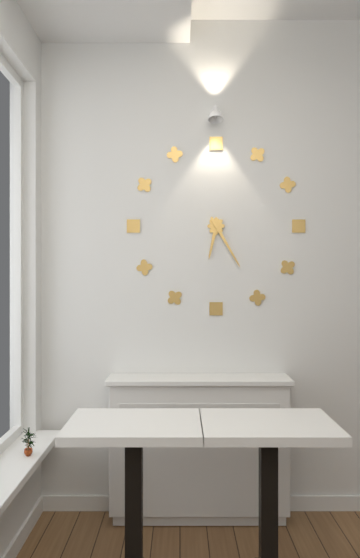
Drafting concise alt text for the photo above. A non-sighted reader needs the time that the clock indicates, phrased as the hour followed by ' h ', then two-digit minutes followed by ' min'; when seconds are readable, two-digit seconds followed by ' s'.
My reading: 6 h 25 min
